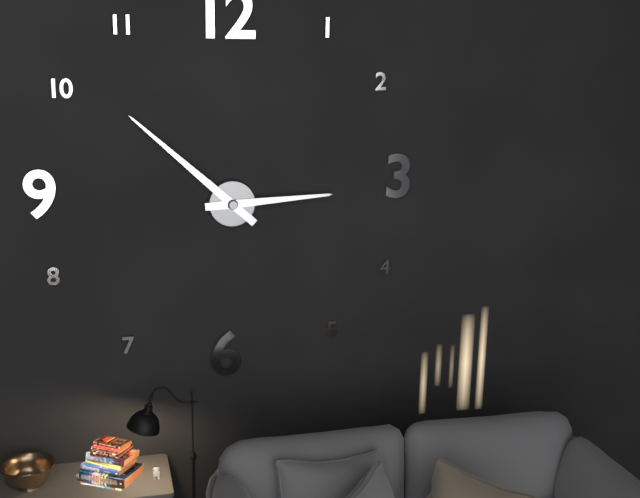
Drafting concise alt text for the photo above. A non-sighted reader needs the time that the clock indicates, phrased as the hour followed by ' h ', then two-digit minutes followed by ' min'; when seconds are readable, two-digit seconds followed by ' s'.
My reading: 2 h 52 min
